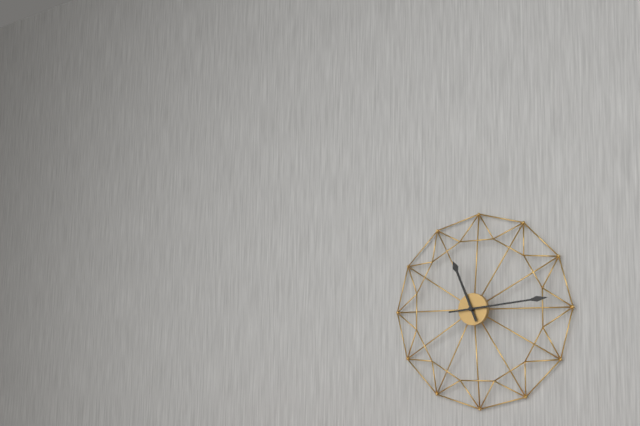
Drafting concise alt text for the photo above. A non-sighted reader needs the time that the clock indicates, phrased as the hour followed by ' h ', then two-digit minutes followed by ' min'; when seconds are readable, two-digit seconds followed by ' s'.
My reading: 11 h 14 min
